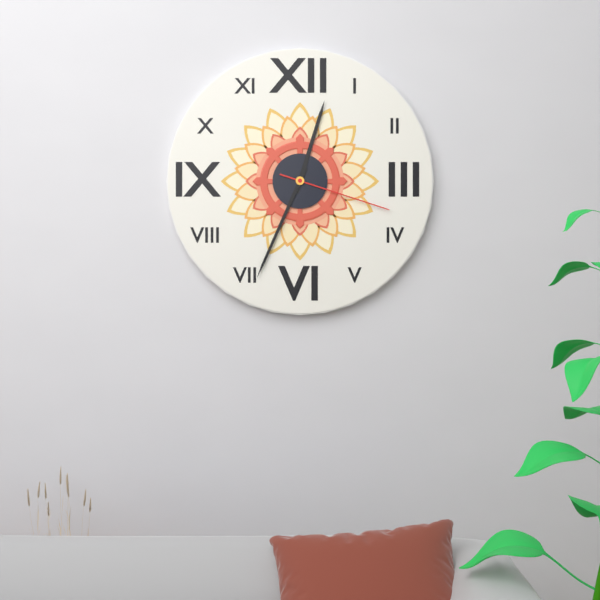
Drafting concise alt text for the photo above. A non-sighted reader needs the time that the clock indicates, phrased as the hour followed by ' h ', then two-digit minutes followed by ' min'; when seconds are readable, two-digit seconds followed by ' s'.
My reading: 12 h 34 min 18 s
